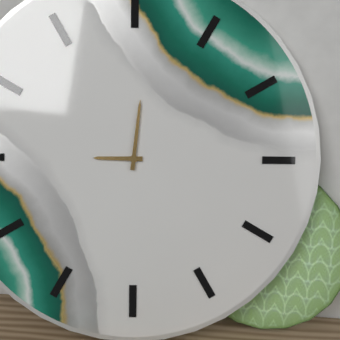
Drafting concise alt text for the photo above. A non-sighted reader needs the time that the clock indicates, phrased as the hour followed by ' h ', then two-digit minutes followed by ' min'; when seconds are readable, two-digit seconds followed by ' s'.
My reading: 9 h 01 min
